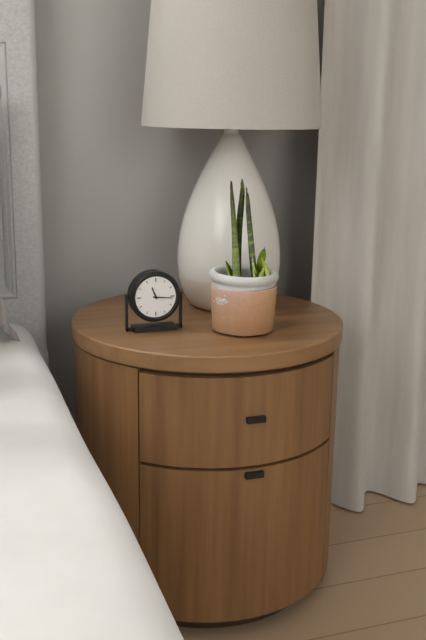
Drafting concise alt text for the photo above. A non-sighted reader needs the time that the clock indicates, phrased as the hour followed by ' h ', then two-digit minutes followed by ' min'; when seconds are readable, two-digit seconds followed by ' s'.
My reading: 11 h 16 min
